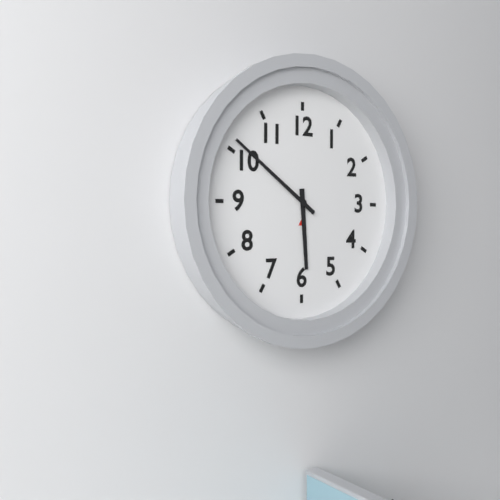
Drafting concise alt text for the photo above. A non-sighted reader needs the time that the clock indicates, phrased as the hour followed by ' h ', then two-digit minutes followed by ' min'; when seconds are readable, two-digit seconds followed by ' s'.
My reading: 5 h 51 min
